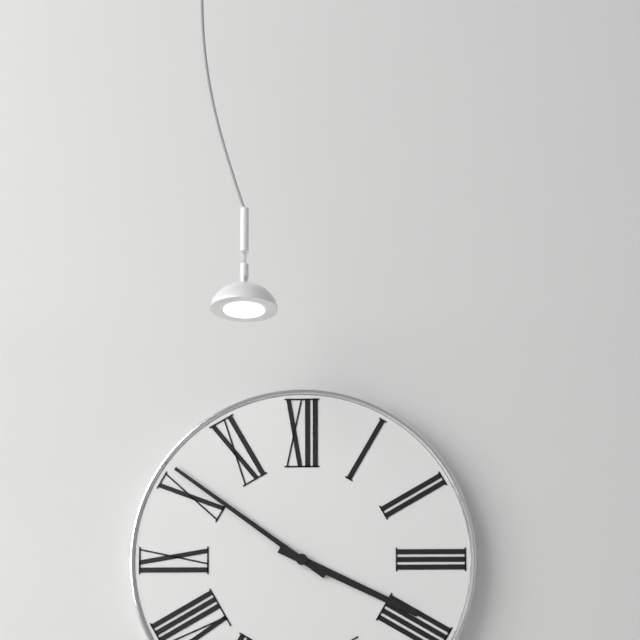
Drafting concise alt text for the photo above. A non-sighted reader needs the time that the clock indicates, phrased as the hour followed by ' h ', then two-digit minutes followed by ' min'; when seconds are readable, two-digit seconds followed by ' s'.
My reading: 3 h 51 min
